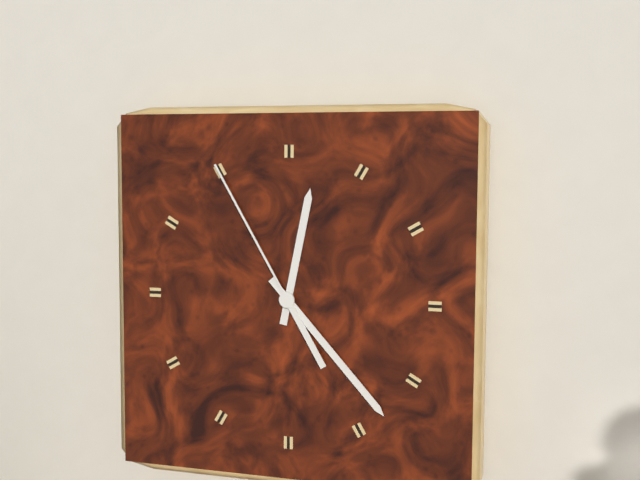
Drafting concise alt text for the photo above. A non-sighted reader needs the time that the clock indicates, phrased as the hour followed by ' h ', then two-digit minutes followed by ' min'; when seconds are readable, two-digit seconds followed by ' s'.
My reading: 12 h 23 min 55 s
